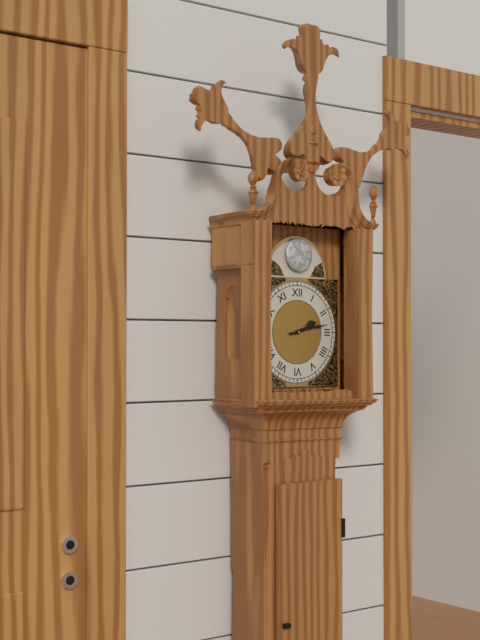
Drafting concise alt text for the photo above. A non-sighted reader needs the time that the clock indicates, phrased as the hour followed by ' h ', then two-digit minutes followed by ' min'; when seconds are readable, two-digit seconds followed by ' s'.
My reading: 2 h 13 min
